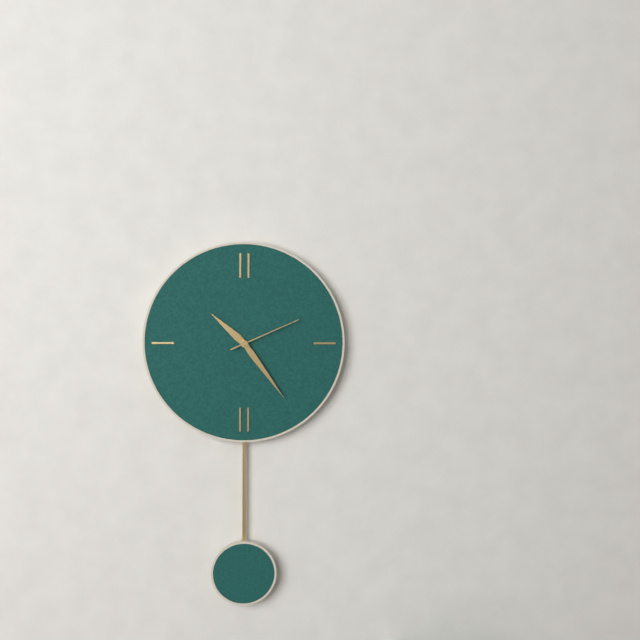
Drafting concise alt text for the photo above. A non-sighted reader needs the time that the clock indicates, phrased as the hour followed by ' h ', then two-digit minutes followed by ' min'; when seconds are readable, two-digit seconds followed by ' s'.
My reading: 10 h 24 min 11 s
